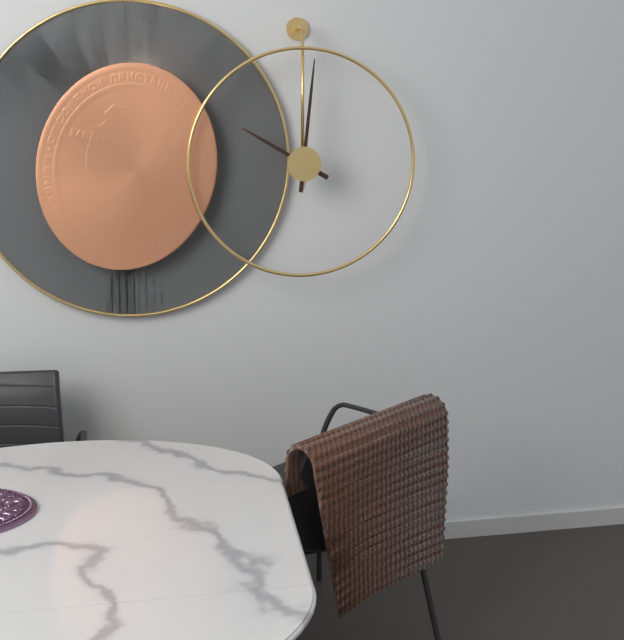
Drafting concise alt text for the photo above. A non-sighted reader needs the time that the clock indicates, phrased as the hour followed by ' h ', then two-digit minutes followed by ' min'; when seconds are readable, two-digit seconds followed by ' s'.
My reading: 10 h 01 min
